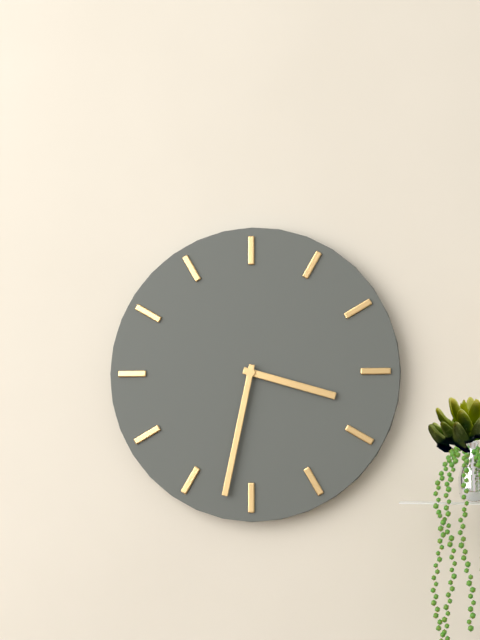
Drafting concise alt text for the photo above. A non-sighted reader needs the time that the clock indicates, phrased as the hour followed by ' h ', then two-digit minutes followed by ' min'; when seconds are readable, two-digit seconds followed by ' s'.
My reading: 3 h 32 min
